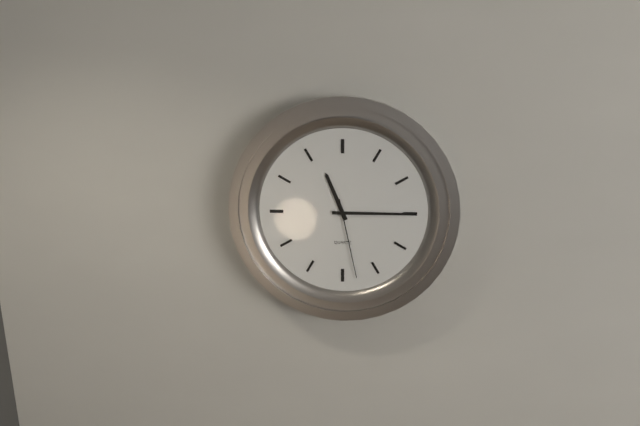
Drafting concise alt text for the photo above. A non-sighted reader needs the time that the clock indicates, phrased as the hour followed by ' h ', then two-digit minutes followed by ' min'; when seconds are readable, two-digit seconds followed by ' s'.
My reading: 11 h 15 min 28 s
